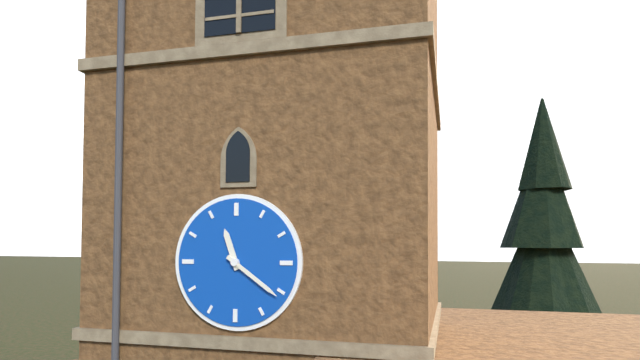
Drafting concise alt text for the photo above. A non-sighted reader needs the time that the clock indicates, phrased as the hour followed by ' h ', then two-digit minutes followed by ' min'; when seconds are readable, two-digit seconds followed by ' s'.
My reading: 11 h 21 min
